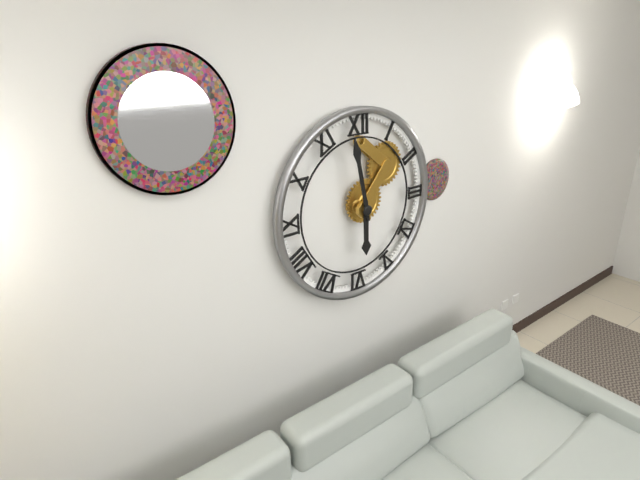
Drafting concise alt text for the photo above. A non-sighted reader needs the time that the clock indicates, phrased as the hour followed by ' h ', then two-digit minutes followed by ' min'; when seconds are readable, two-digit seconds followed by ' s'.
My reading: 5 h 58 min
